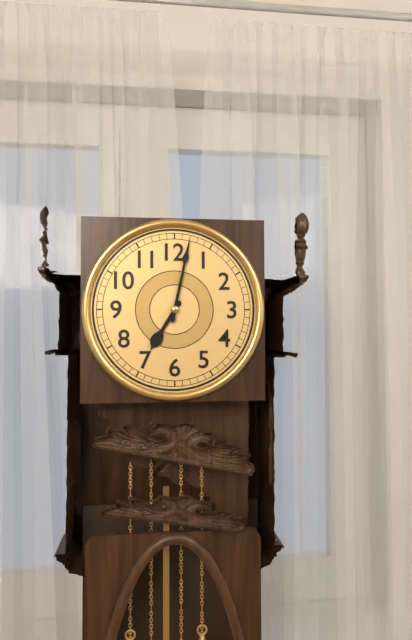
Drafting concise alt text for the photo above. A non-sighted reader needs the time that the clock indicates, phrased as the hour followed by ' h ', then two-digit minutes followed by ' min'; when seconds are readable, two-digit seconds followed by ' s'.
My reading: 7 h 02 min
